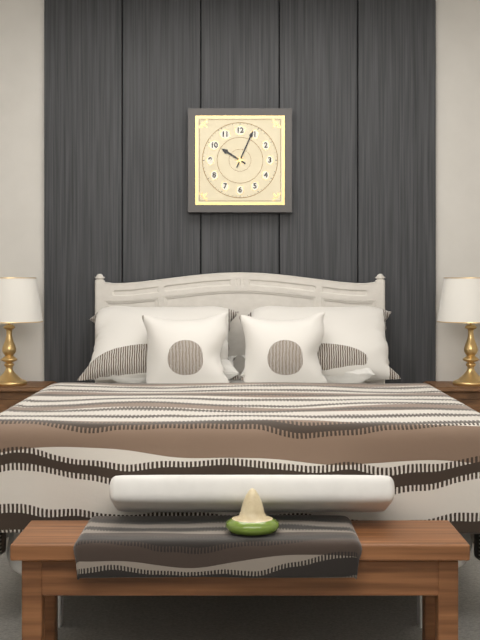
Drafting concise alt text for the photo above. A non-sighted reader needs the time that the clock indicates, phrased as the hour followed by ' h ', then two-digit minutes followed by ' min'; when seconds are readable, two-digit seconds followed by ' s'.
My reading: 10 h 04 min
